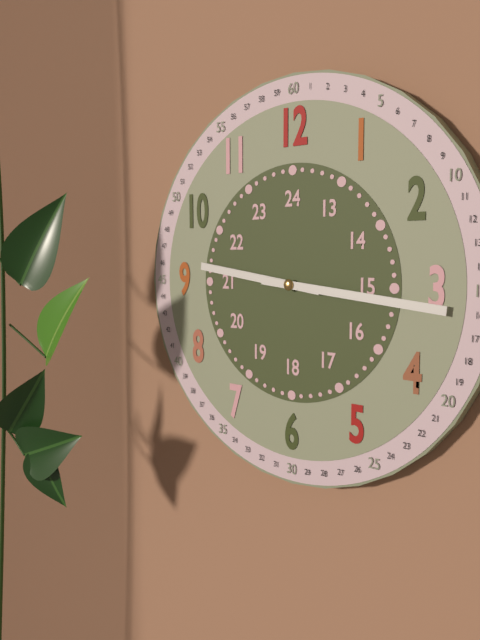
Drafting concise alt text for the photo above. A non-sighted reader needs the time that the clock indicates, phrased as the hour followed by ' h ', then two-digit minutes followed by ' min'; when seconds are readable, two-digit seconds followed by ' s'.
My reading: 9 h 16 min
